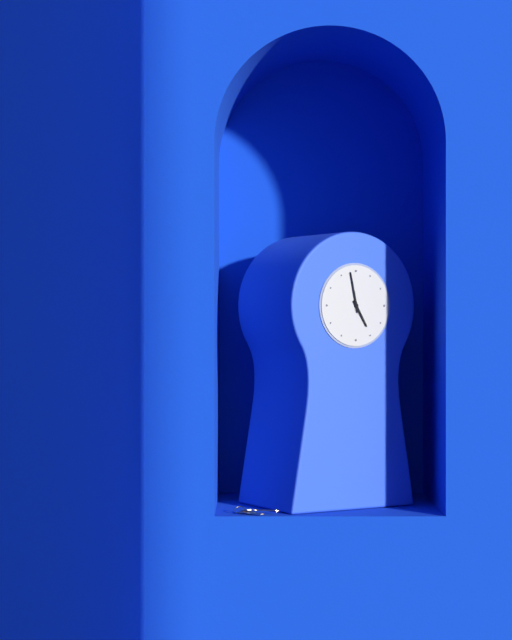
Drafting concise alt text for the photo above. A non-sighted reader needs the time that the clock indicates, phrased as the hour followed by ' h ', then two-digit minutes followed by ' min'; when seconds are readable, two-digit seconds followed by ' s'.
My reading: 4 h 58 min
